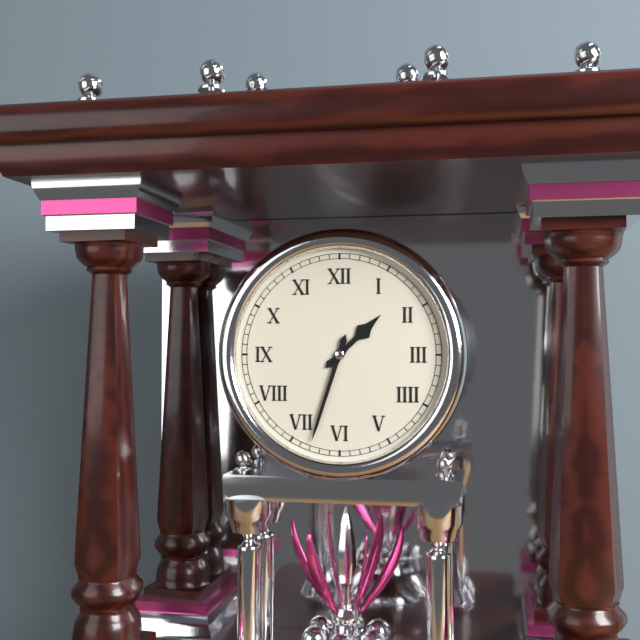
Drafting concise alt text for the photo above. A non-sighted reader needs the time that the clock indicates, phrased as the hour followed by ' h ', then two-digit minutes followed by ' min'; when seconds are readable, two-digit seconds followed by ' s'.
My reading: 1 h 33 min
